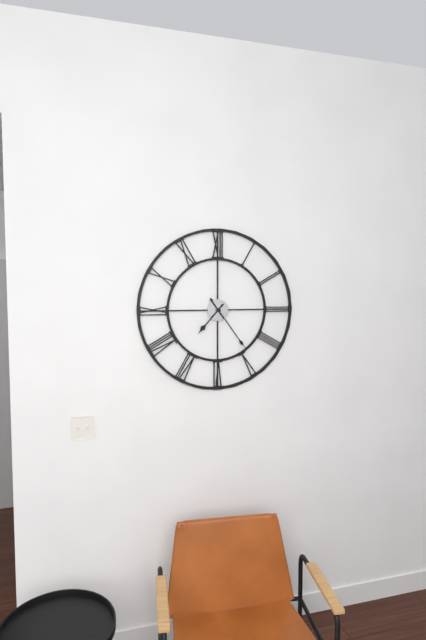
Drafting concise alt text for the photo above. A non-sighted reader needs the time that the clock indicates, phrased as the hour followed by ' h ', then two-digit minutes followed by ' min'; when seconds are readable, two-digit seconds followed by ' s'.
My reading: 7 h 24 min
